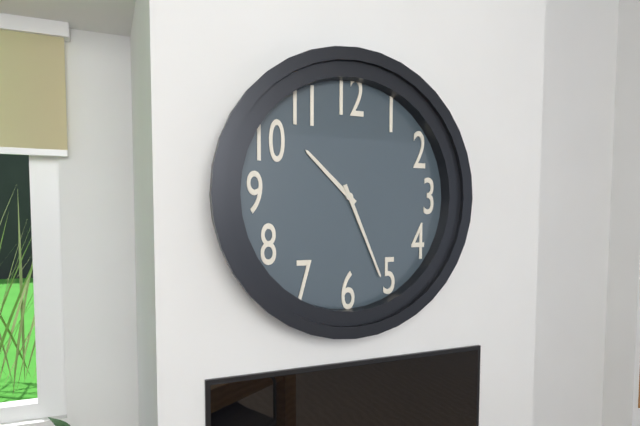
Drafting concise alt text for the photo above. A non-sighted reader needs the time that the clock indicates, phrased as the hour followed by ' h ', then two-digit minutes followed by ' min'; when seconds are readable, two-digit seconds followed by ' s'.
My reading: 10 h 26 min
